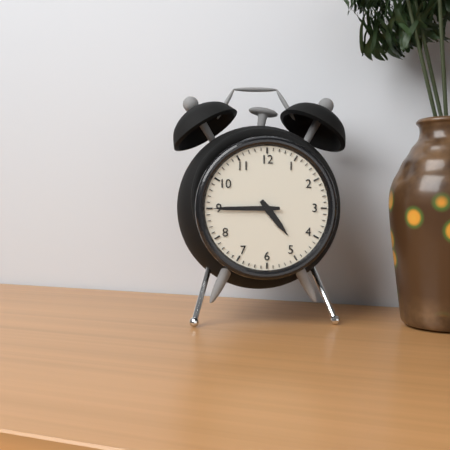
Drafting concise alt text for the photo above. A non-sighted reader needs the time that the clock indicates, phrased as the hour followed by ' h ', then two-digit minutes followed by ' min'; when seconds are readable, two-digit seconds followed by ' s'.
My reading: 4 h 45 min
